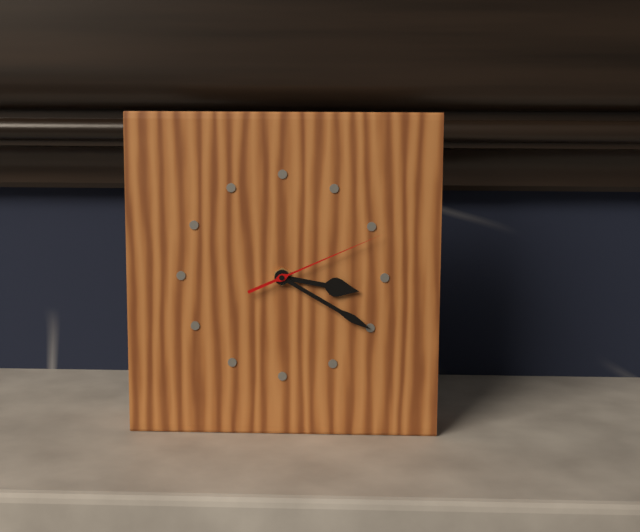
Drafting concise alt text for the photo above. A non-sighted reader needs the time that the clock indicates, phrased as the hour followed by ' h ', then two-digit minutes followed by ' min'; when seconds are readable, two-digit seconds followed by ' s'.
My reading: 3 h 20 min 11 s
